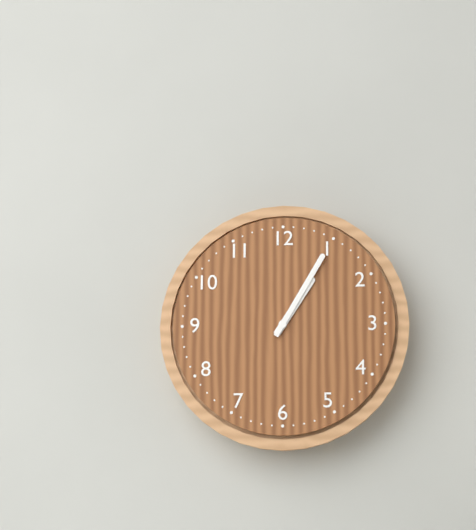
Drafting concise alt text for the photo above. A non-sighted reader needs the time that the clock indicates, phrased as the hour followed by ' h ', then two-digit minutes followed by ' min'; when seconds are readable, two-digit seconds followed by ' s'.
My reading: 1 h 05 min
